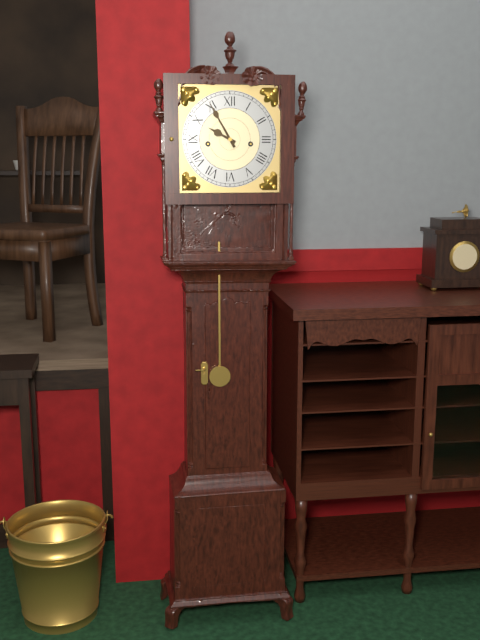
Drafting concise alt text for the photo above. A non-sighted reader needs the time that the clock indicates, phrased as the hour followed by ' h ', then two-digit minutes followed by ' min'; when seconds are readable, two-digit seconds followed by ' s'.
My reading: 9 h 55 min
